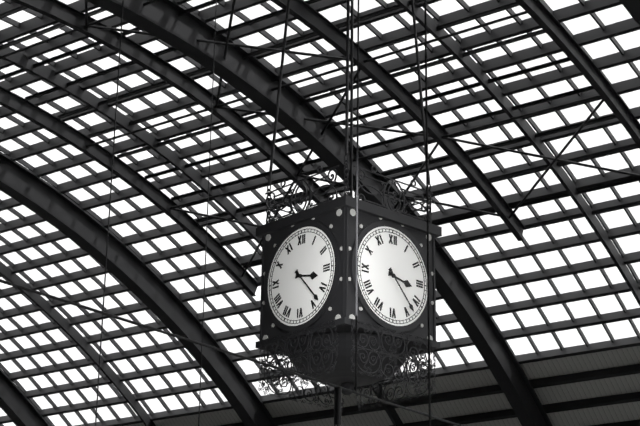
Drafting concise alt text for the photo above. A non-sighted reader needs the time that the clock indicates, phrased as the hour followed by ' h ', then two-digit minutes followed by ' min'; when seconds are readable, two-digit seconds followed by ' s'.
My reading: 3 h 23 min
